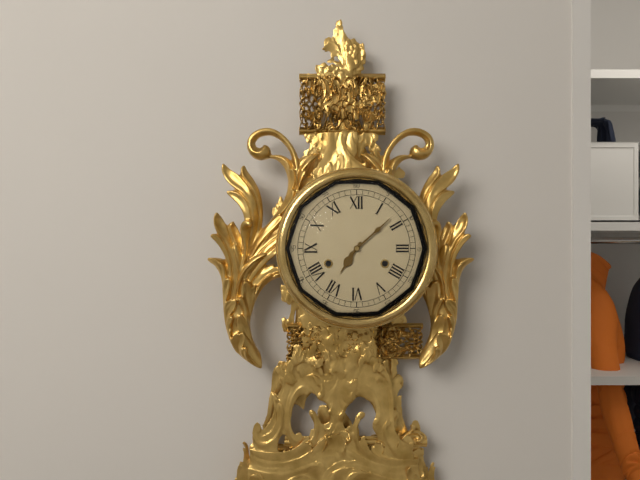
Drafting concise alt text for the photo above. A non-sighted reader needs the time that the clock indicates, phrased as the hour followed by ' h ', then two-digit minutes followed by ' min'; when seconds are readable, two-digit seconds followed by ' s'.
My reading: 7 h 08 min
